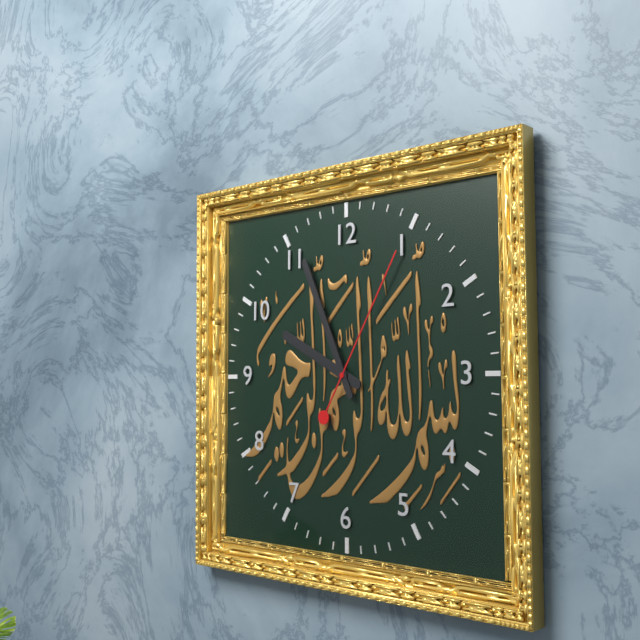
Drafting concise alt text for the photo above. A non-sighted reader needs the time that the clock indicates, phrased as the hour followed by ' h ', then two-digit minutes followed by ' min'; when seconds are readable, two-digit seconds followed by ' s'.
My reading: 9 h 56 min 05 s
